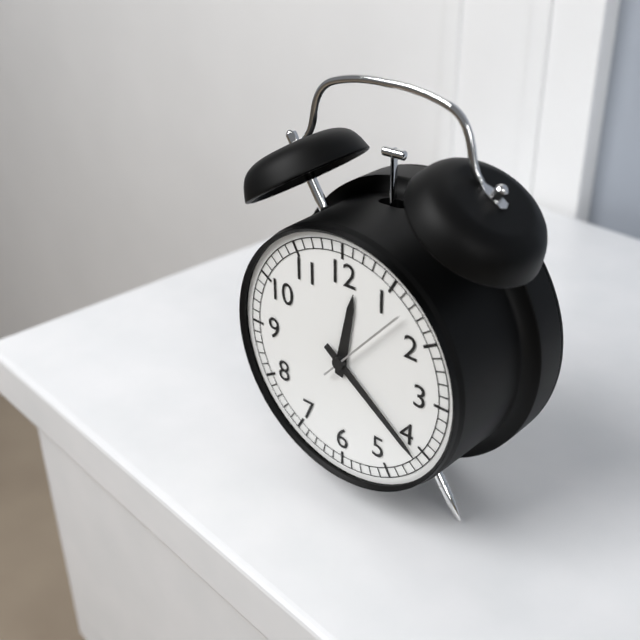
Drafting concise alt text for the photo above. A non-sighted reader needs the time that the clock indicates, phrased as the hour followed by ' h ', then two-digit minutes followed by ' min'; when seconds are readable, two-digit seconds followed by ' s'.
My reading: 12 h 21 min 07 s
